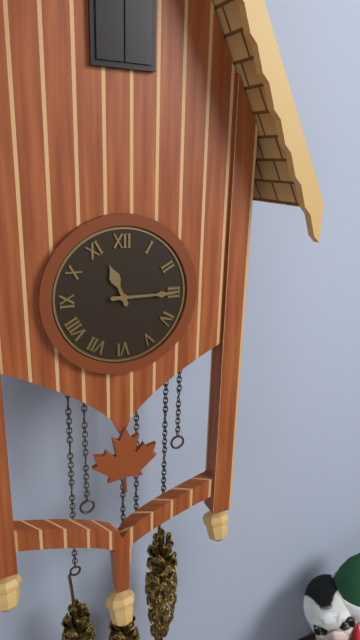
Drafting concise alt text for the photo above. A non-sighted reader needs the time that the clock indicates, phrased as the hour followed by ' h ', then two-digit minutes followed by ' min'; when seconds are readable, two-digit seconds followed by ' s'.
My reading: 11 h 15 min
